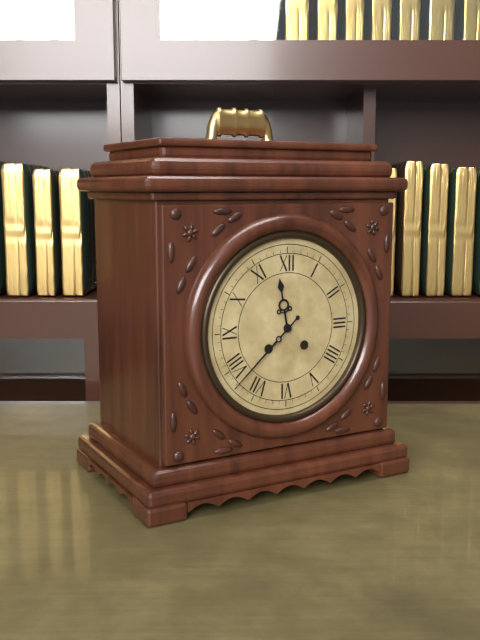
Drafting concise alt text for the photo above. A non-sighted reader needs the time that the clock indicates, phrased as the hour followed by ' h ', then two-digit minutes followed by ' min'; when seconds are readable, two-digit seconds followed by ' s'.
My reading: 11 h 38 min
